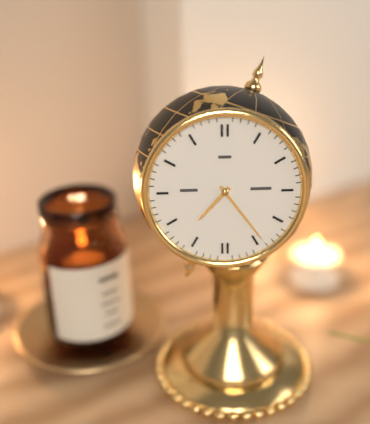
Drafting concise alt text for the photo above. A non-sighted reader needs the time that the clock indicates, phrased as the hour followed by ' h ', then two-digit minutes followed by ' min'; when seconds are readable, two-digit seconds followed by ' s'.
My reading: 7 h 24 min
